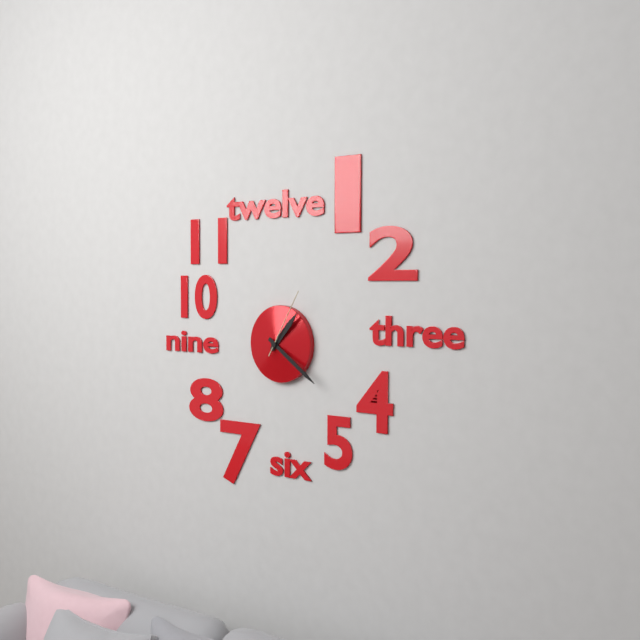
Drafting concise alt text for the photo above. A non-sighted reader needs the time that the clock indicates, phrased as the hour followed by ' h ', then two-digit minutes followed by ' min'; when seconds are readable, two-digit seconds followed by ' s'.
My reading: 1 h 21 min 05 s
